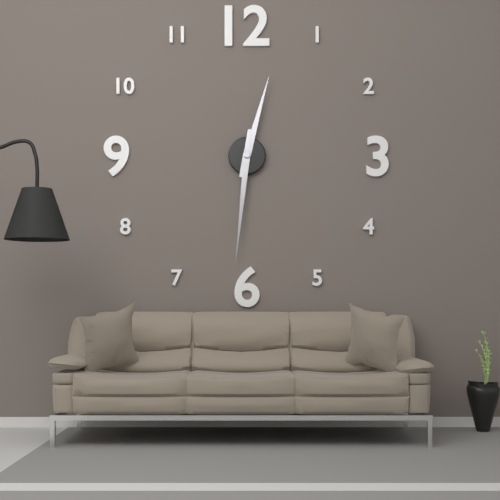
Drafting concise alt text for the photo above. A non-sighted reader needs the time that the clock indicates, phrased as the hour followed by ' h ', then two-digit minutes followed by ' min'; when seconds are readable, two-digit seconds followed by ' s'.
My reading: 12 h 31 min
